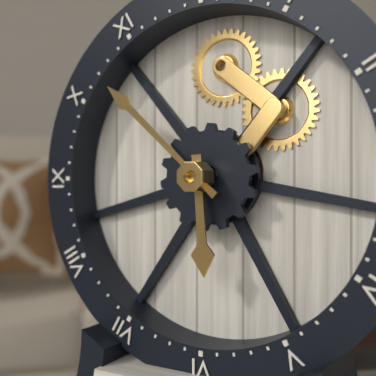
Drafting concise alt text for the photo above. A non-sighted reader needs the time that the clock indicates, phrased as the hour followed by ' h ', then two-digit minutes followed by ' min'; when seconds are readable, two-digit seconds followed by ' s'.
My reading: 5 h 52 min
